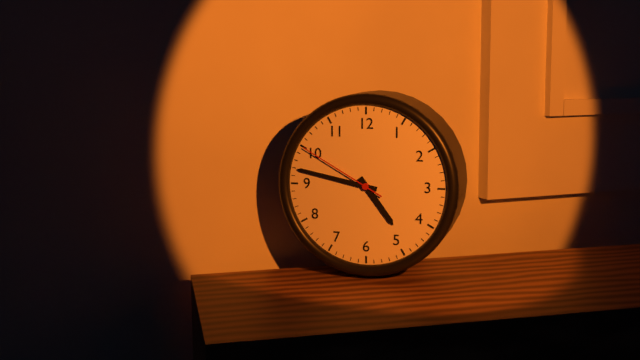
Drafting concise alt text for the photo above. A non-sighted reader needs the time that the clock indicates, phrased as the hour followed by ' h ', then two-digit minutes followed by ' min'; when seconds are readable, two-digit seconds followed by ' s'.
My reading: 4 h 47 min 50 s
